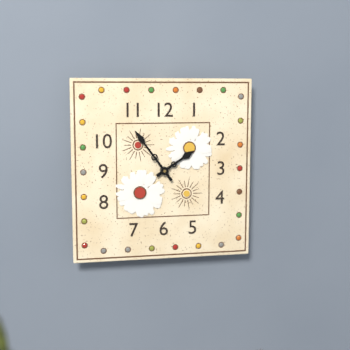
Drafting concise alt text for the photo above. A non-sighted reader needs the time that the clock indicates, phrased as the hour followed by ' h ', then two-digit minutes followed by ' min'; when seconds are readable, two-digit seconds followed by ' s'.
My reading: 1 h 54 min
